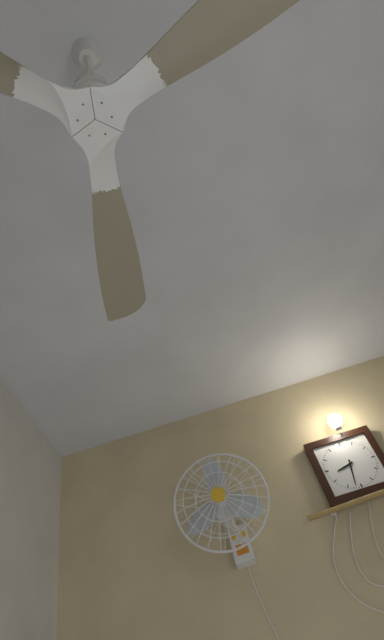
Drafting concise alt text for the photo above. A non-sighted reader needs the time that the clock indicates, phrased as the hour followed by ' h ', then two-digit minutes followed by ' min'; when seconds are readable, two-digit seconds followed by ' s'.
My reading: 8 h 32 min
